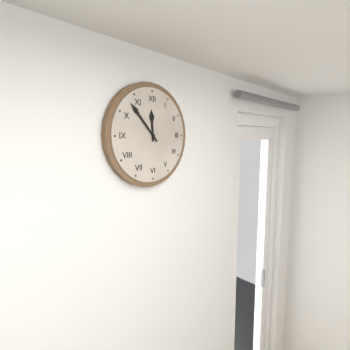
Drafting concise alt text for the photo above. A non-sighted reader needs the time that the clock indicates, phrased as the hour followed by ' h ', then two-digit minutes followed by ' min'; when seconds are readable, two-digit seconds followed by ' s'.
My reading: 11 h 53 min
